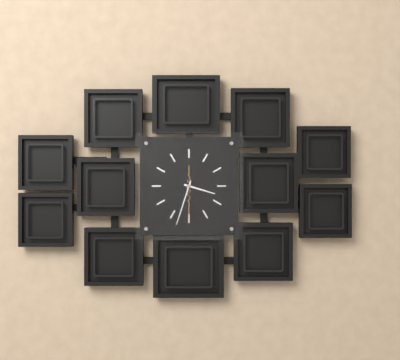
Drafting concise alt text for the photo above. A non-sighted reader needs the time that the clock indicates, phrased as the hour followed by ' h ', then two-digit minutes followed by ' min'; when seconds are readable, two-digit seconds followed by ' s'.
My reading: 3 h 33 min
